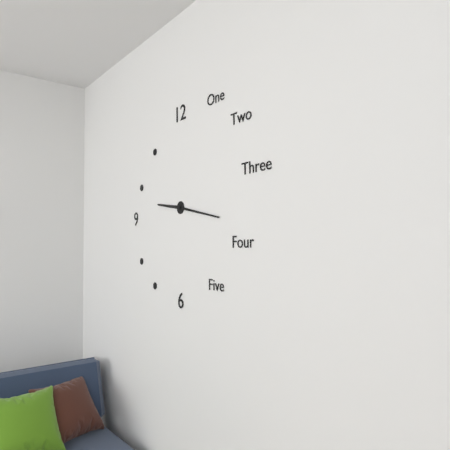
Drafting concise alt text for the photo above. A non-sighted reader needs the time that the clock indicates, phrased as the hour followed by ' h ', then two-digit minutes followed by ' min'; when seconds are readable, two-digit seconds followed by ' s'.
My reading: 9 h 17 min
